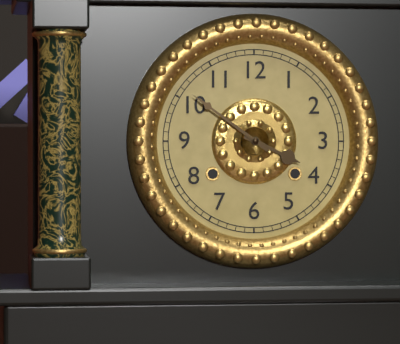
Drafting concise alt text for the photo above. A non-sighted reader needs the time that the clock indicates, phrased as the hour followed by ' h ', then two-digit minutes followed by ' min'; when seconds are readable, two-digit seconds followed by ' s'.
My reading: 3 h 51 min
